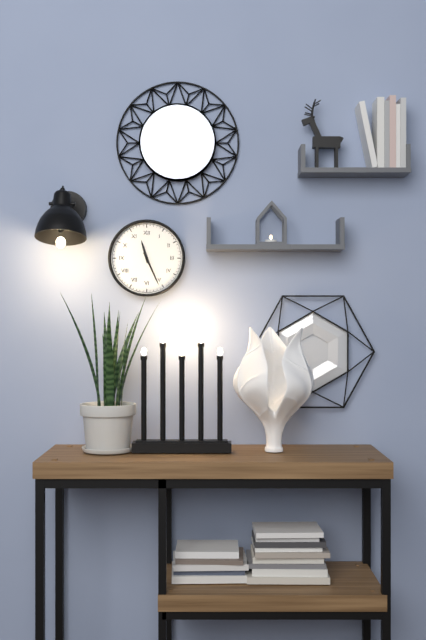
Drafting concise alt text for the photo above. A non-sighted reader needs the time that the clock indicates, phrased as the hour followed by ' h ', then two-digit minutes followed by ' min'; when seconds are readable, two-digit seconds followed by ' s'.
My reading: 11 h 26 min
